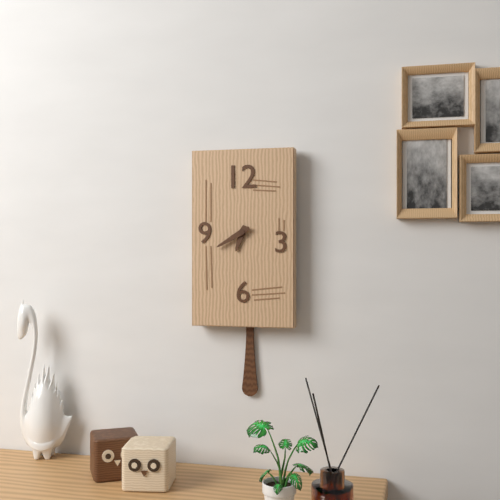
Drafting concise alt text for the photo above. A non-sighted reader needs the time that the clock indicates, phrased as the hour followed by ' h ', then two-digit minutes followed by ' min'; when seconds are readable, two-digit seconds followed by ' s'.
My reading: 6 h 40 min
